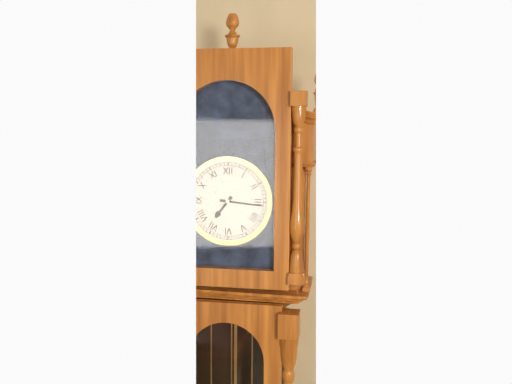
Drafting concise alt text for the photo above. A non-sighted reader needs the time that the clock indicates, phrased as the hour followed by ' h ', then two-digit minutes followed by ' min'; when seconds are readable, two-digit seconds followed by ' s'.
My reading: 7 h 16 min
